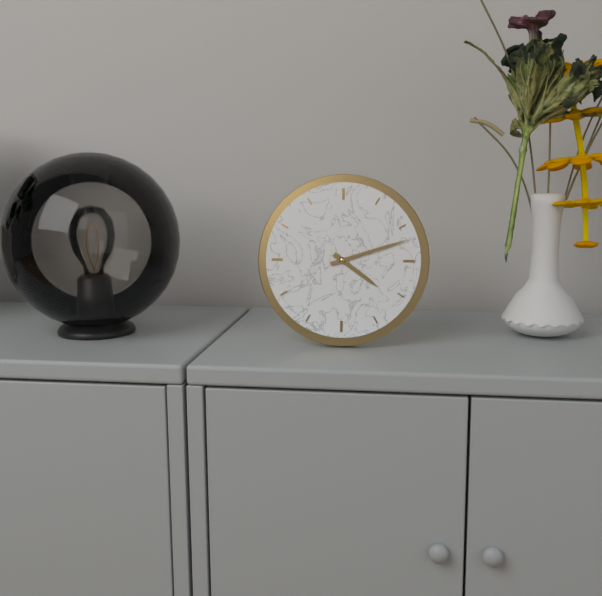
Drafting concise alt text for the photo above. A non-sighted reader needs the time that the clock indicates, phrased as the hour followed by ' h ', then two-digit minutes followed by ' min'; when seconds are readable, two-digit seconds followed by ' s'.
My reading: 4 h 12 min
